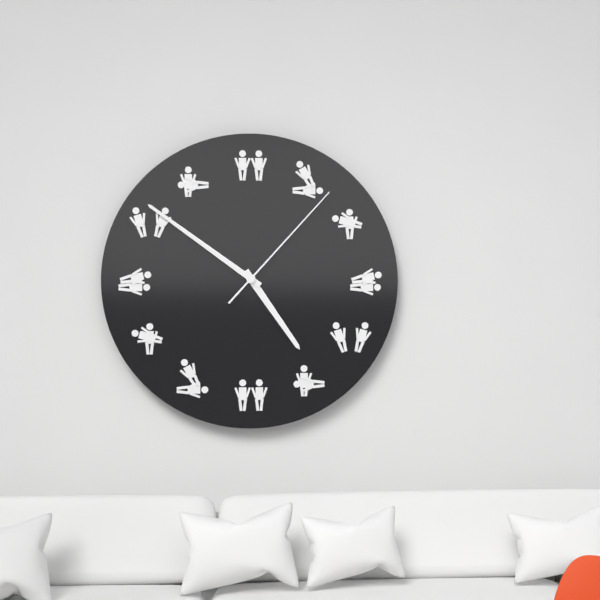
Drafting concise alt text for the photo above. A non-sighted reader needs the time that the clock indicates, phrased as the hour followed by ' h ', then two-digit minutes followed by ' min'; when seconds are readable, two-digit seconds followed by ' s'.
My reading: 4 h 51 min 07 s
